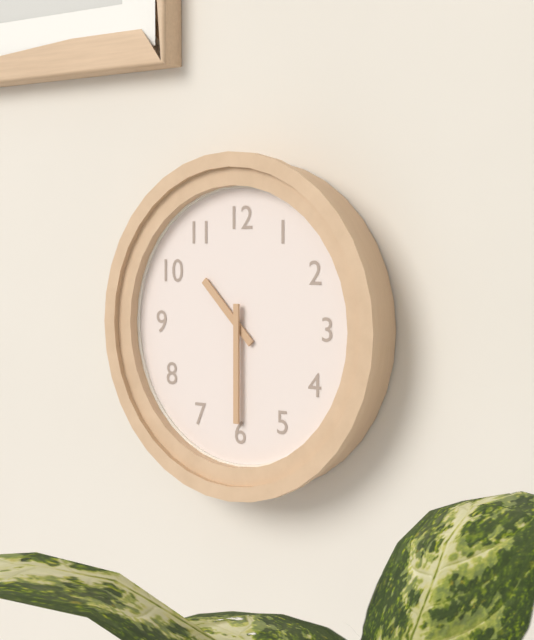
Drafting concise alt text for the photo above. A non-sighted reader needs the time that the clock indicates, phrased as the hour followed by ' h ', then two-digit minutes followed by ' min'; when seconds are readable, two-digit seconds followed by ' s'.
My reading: 10 h 30 min
